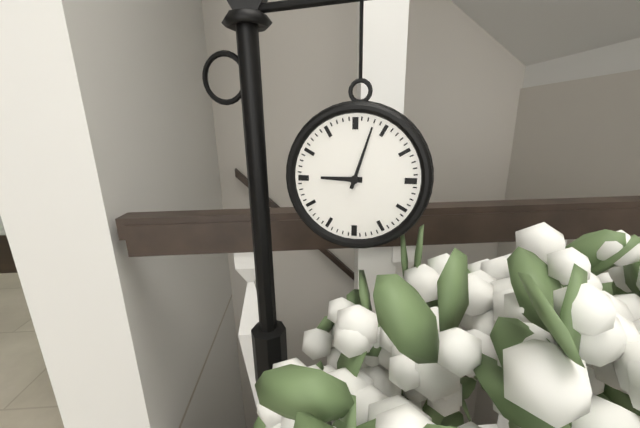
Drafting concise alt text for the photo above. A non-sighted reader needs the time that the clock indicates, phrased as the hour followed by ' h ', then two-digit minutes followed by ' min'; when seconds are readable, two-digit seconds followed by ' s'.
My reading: 9 h 03 min
